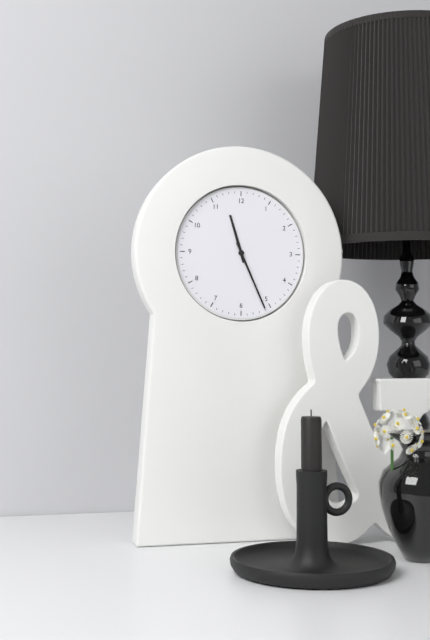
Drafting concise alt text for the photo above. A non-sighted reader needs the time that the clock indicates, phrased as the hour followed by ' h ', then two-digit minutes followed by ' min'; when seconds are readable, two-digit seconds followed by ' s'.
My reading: 11 h 26 min
